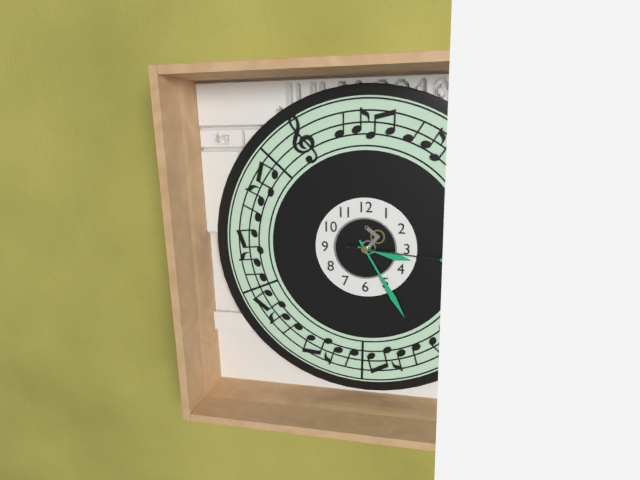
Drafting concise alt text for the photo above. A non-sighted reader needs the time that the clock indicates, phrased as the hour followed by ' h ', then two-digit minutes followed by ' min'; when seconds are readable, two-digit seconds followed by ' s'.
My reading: 3 h 25 min 16 s
